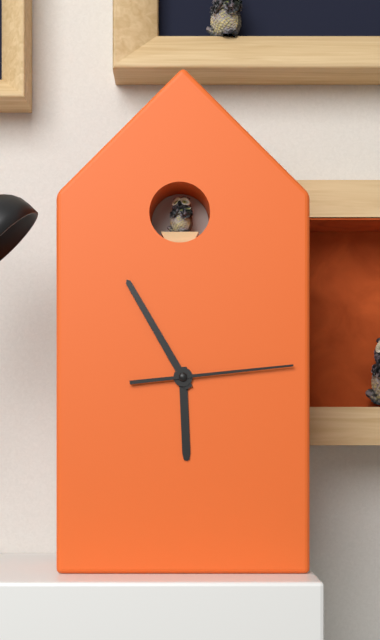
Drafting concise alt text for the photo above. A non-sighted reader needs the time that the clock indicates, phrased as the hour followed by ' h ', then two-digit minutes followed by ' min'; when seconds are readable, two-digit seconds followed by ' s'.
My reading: 5 h 55 min 14 s
